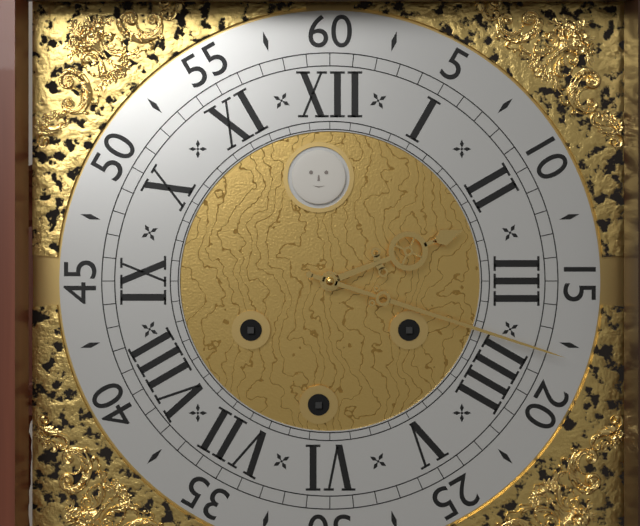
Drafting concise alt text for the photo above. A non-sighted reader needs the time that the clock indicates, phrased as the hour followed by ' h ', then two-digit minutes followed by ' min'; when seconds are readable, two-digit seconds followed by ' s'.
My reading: 2 h 18 min
